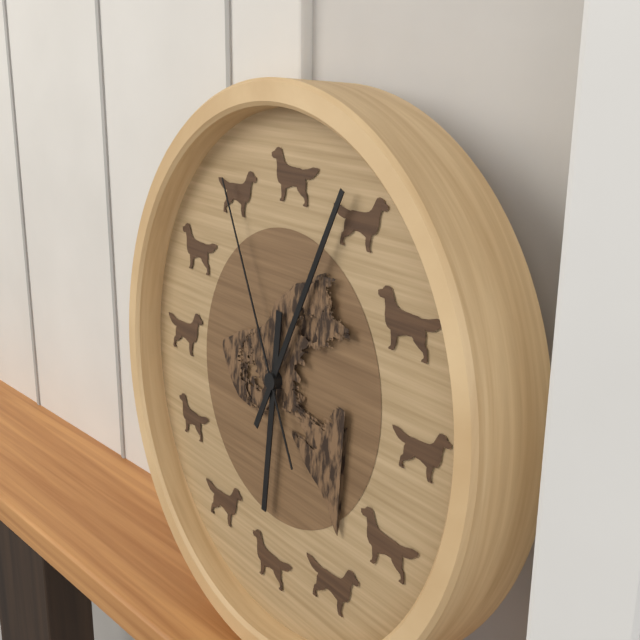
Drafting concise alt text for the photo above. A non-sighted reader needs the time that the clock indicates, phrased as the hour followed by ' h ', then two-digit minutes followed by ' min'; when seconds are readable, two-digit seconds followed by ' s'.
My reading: 6 h 04 min 55 s
